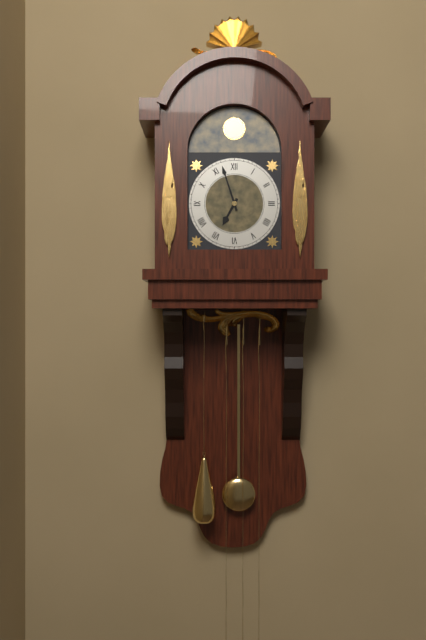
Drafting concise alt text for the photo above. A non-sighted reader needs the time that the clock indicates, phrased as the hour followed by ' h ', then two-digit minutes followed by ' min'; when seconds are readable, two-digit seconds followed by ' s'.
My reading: 6 h 57 min
